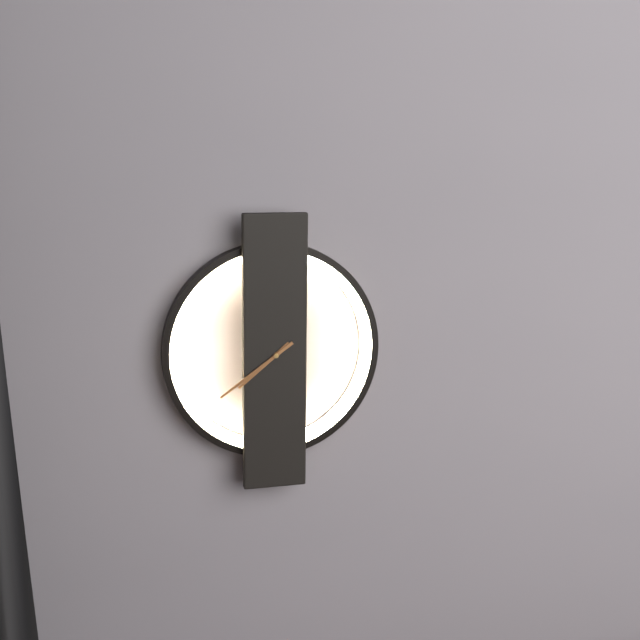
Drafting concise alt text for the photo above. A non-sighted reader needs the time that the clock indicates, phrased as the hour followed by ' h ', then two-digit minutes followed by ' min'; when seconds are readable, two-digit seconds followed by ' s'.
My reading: 7 h 39 min
